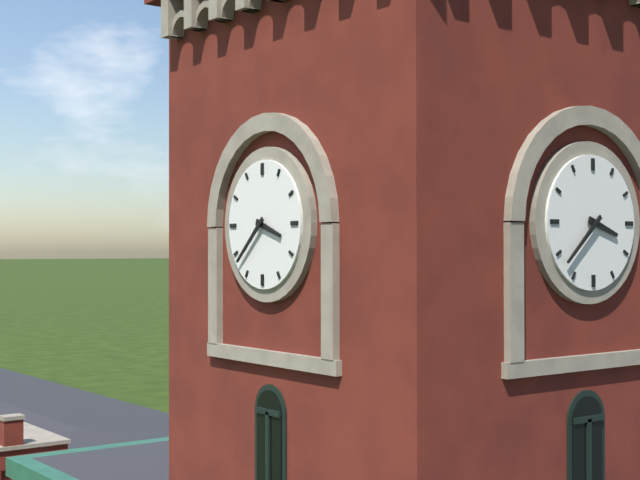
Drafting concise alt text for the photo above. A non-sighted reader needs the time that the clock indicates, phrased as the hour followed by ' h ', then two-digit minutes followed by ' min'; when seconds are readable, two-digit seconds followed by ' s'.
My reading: 3 h 38 min
